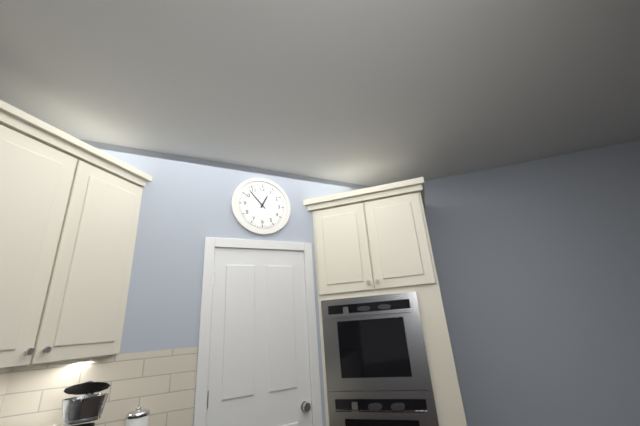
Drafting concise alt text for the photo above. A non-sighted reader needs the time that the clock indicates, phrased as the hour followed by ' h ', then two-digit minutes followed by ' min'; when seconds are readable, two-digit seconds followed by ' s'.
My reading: 12 h 53 min
